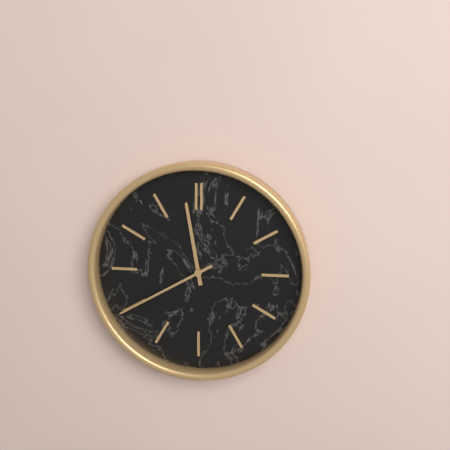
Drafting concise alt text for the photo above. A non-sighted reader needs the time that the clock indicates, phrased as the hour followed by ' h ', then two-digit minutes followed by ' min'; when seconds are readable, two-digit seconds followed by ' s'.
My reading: 11 h 40 min
